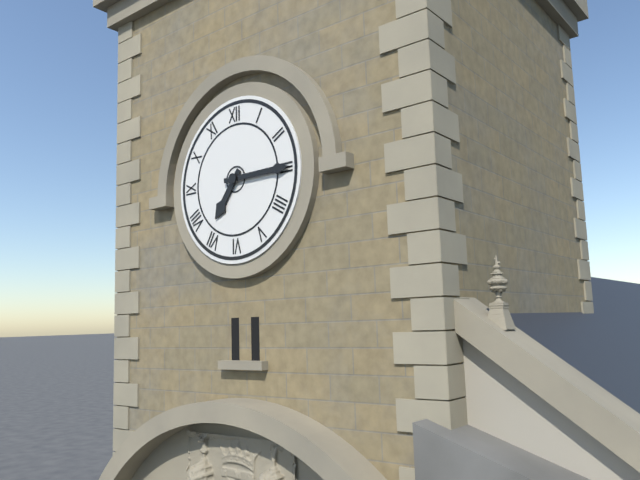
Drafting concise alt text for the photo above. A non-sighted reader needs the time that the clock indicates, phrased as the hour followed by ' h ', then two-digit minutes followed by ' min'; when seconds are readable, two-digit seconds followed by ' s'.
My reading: 7 h 15 min
